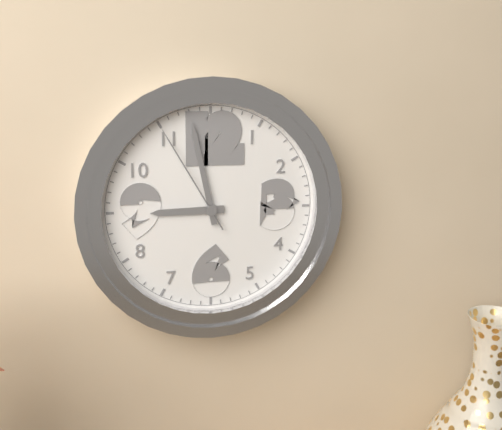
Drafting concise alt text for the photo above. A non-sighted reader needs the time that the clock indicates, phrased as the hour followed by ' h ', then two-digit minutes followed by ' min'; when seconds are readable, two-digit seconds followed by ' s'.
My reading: 8 h 58 min 55 s
